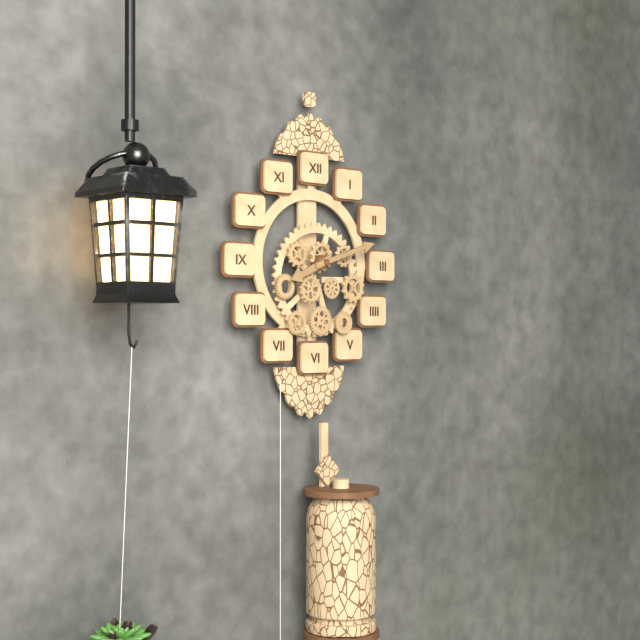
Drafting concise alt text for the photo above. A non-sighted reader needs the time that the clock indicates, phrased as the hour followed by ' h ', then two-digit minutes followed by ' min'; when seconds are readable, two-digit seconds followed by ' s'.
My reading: 8 h 12 min
